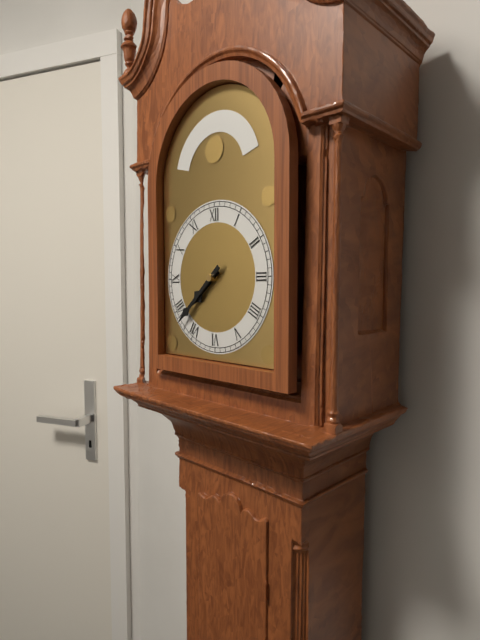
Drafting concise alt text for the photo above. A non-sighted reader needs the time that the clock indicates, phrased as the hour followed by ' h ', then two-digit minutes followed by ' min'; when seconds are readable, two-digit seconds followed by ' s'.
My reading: 7 h 38 min
